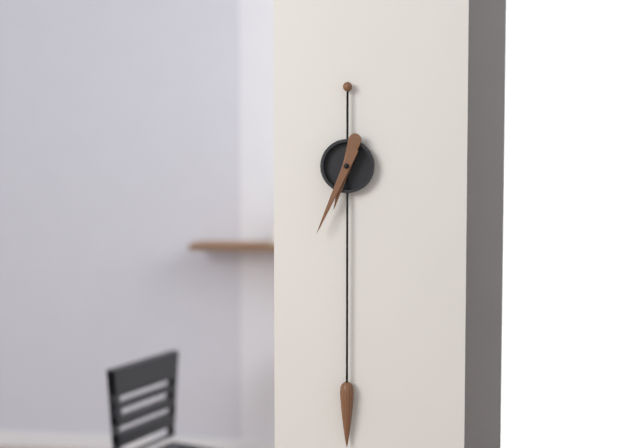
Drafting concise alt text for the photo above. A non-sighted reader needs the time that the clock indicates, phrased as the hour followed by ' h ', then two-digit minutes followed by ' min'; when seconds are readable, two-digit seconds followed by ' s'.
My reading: 6 h 34 min
